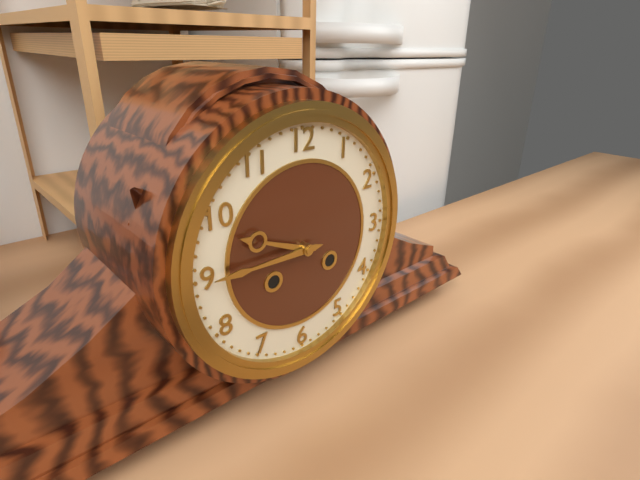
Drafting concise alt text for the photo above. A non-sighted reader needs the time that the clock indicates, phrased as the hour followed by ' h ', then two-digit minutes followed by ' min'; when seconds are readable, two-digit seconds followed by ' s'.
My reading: 9 h 45 min
